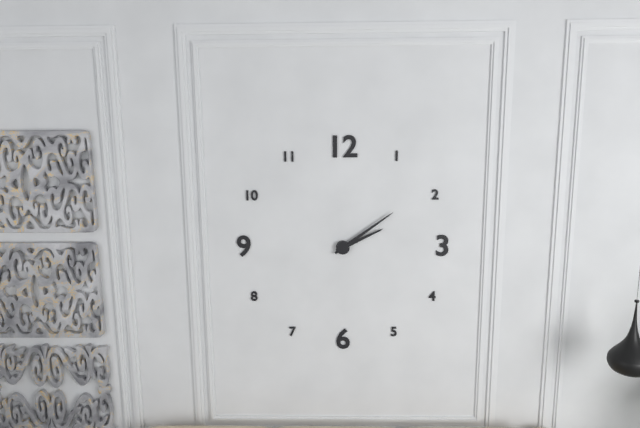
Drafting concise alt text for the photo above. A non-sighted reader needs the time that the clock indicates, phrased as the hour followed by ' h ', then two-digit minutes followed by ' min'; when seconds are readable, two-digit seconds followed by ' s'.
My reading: 2 h 09 min
